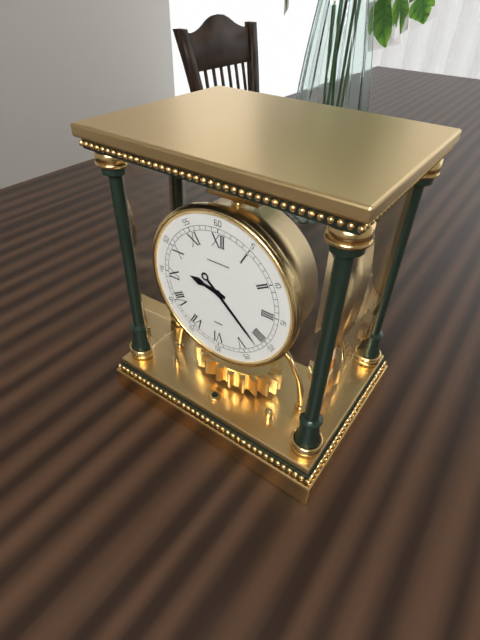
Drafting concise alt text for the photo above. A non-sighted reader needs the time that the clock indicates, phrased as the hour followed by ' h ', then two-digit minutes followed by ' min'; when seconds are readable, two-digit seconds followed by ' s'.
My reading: 9 h 22 min
